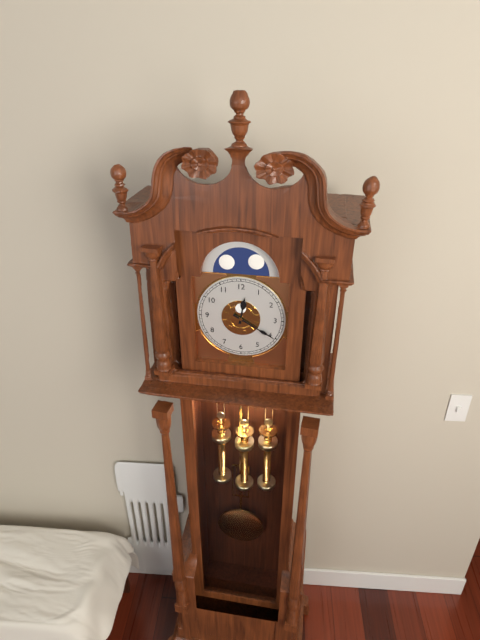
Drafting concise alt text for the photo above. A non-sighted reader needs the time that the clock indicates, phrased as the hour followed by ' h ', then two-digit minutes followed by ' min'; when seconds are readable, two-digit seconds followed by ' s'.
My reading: 12 h 20 min
